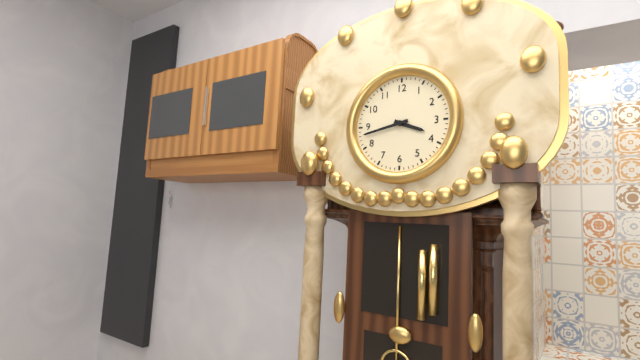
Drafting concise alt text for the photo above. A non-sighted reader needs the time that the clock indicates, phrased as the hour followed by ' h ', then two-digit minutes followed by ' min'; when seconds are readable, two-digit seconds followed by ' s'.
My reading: 3 h 43 min
